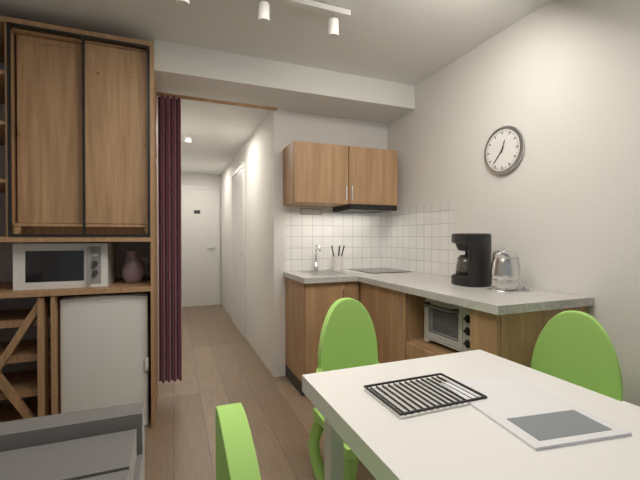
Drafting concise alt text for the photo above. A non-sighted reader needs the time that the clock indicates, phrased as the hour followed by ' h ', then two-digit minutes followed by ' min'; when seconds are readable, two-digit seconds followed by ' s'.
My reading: 12 h 37 min
